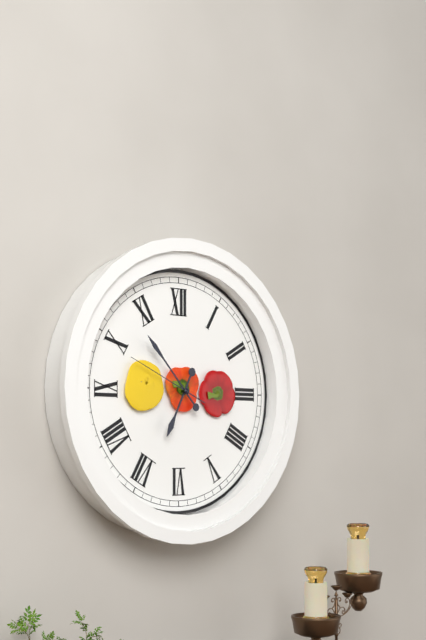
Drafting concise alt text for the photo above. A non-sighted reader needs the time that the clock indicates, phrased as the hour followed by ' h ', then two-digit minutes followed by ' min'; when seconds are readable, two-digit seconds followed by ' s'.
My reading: 6 h 53 min 49 s
